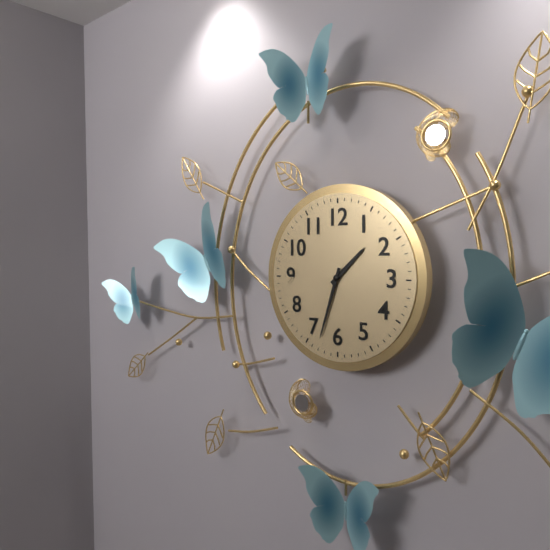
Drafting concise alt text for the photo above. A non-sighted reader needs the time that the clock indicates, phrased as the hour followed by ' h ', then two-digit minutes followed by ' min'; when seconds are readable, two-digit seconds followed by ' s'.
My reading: 1 h 33 min
